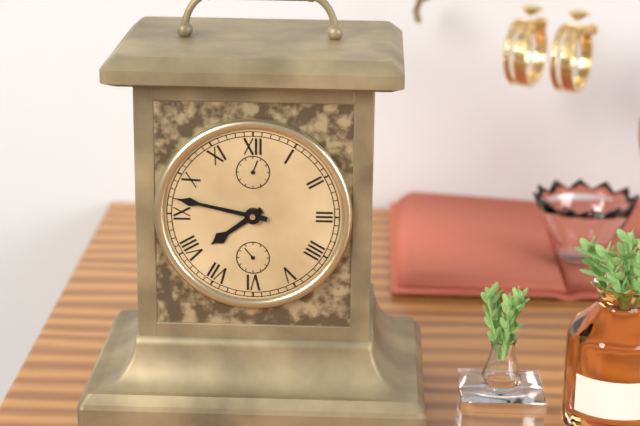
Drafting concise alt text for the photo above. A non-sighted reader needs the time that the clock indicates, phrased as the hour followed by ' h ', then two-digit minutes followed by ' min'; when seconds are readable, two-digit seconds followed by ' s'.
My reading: 7 h 47 min
